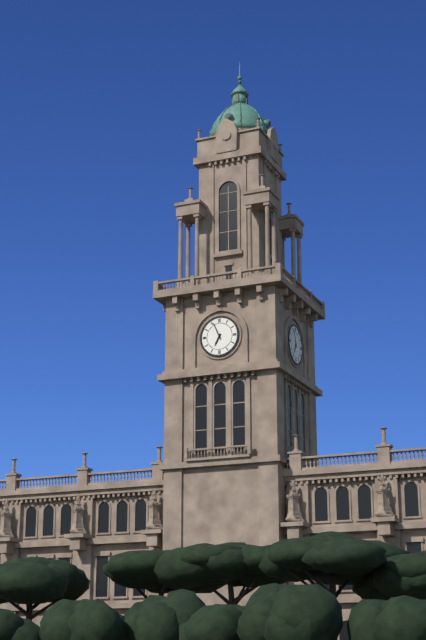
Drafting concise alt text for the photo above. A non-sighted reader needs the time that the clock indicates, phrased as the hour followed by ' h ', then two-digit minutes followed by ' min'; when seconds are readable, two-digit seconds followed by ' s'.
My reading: 6 h 56 min
